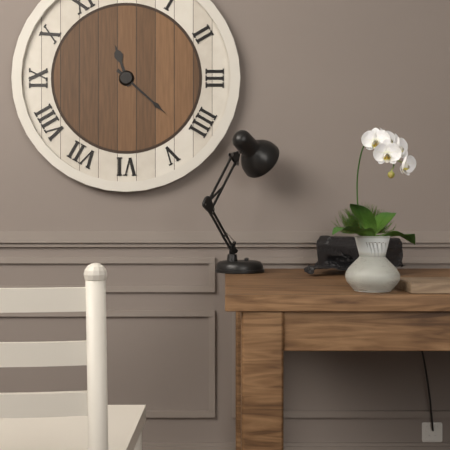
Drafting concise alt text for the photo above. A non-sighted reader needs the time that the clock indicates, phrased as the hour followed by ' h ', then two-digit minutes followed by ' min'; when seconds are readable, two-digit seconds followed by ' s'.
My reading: 11 h 22 min
